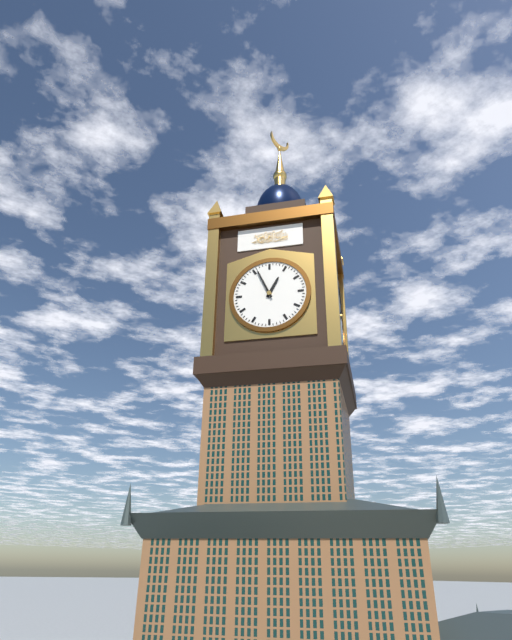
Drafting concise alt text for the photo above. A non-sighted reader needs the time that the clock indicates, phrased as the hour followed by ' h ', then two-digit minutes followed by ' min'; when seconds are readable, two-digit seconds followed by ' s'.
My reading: 12 h 56 min
